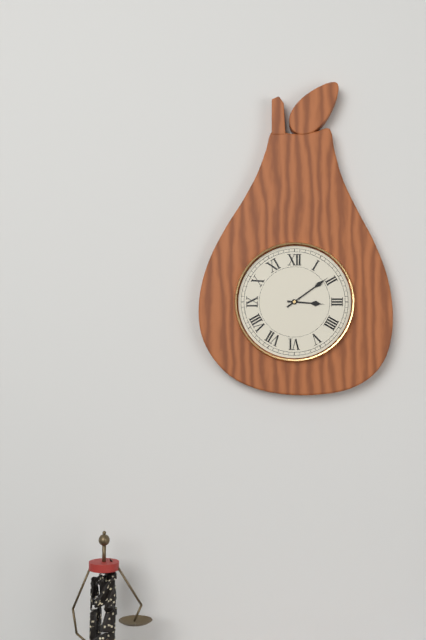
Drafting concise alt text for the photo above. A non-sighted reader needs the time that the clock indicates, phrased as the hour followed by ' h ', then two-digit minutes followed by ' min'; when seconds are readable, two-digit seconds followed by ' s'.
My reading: 3 h 09 min
